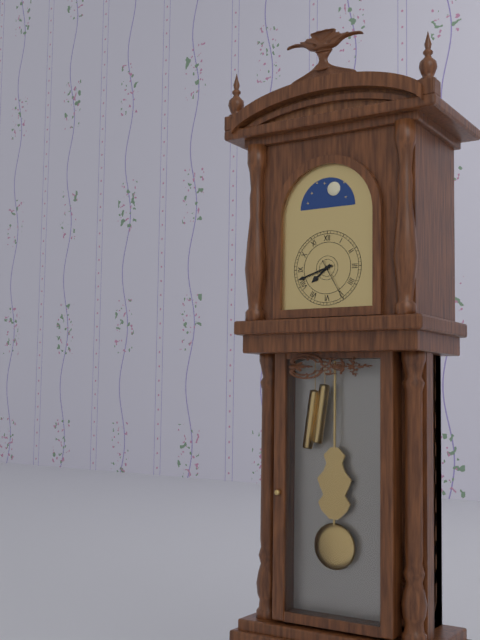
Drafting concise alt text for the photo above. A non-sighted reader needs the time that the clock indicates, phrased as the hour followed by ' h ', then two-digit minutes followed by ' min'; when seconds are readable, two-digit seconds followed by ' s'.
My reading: 7 h 42 min
